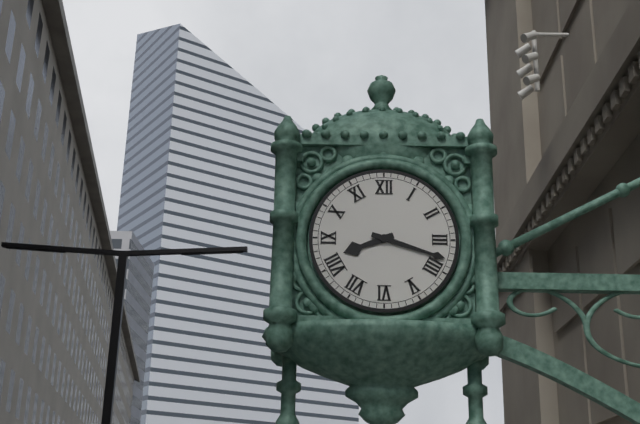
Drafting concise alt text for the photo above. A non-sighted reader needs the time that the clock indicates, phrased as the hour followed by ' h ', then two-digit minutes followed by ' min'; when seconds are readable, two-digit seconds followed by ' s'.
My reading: 8 h 18 min
